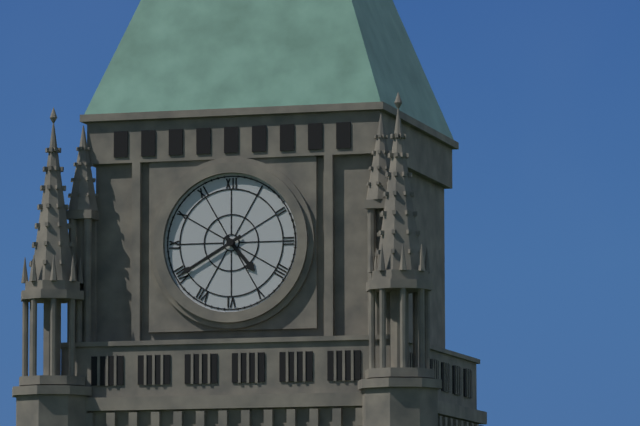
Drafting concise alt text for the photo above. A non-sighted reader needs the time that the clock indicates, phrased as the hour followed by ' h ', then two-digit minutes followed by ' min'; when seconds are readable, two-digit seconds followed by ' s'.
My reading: 4 h 40 min
